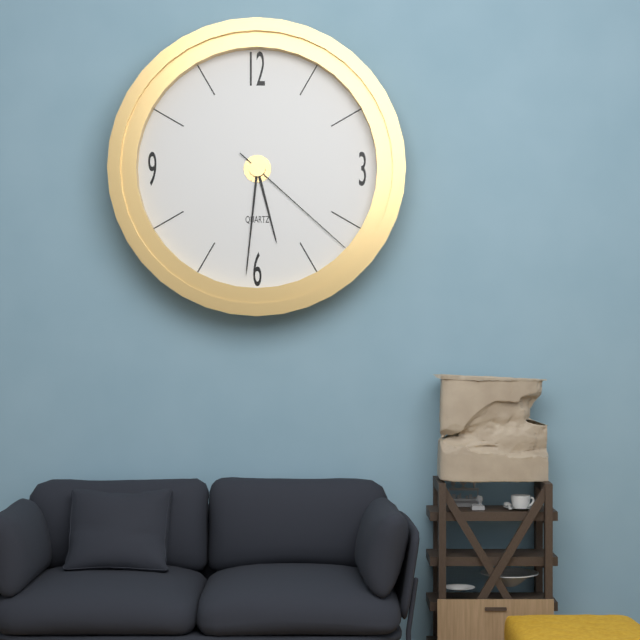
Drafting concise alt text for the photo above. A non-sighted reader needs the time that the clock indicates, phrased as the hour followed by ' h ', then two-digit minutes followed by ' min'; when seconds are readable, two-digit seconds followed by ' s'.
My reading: 5 h 31 min 22 s
